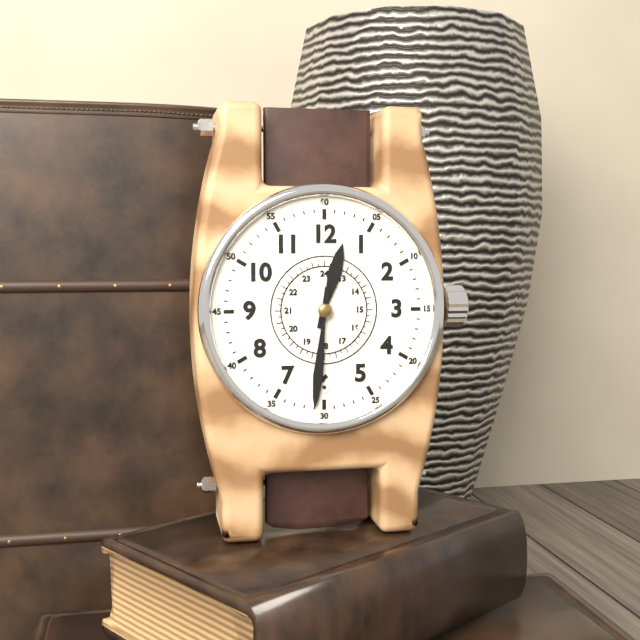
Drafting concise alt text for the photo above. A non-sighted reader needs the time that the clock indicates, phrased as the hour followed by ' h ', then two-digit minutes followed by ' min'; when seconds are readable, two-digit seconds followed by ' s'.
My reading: 12 h 31 min
